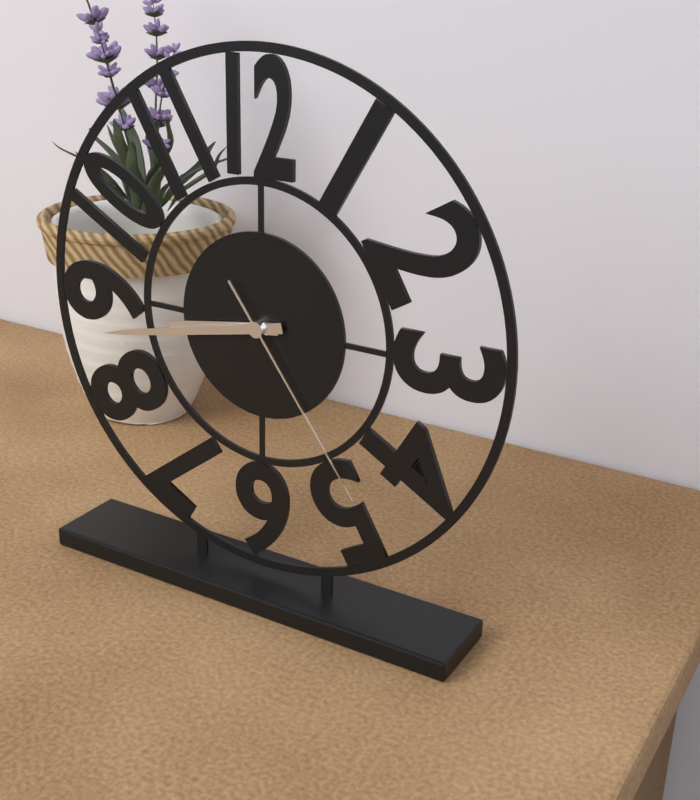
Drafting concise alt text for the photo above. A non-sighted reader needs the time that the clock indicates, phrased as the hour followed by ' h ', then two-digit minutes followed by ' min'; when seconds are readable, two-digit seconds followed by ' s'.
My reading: 8 h 43 min 24 s
